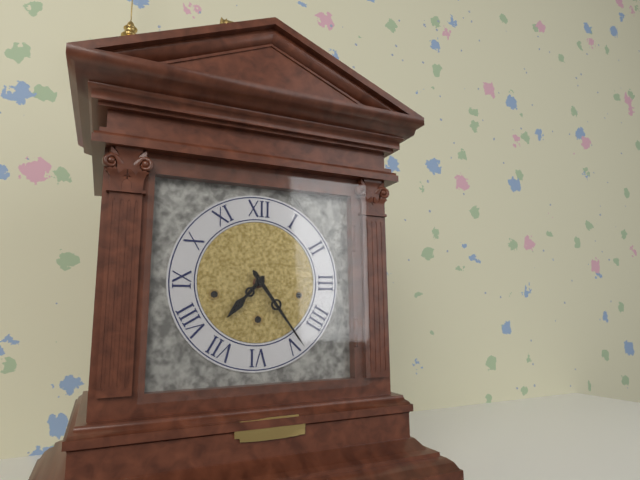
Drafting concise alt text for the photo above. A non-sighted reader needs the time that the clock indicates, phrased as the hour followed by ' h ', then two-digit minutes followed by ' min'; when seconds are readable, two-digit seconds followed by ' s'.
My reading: 7 h 24 min
